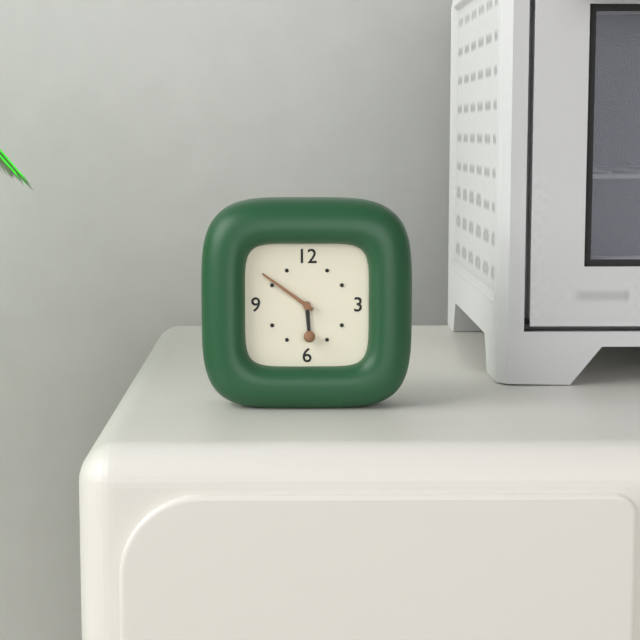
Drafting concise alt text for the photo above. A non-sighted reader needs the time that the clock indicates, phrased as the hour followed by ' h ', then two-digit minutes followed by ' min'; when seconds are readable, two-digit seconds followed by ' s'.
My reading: 5 h 51 min
